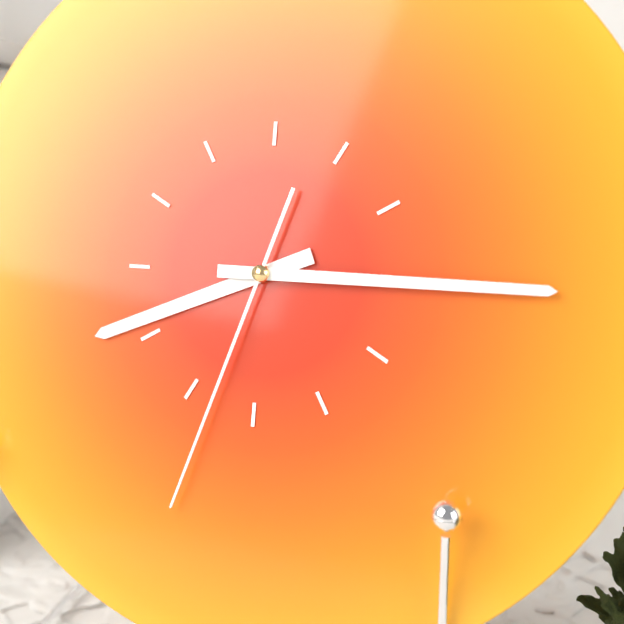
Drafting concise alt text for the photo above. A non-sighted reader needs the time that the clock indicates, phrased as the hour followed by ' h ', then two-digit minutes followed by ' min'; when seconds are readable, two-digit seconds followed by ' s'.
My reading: 8 h 15 min 33 s
